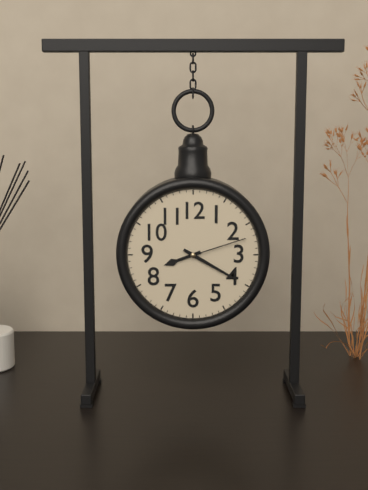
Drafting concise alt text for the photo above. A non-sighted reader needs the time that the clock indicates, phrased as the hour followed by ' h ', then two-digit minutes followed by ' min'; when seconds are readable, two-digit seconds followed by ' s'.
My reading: 8 h 20 min 12 s
